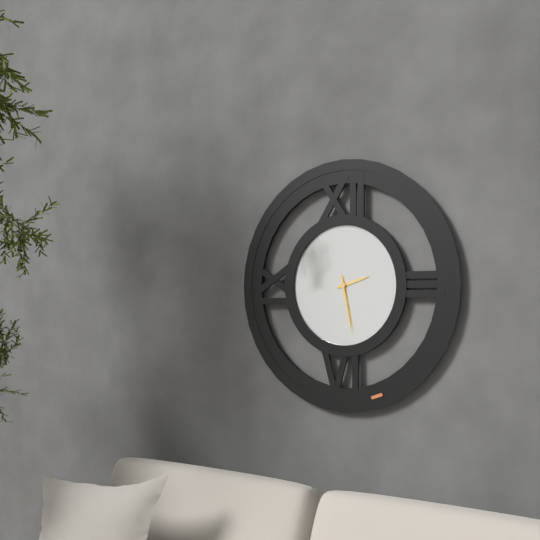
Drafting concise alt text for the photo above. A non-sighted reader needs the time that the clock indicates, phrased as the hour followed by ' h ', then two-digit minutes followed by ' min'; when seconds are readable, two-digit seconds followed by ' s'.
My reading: 2 h 28 min
